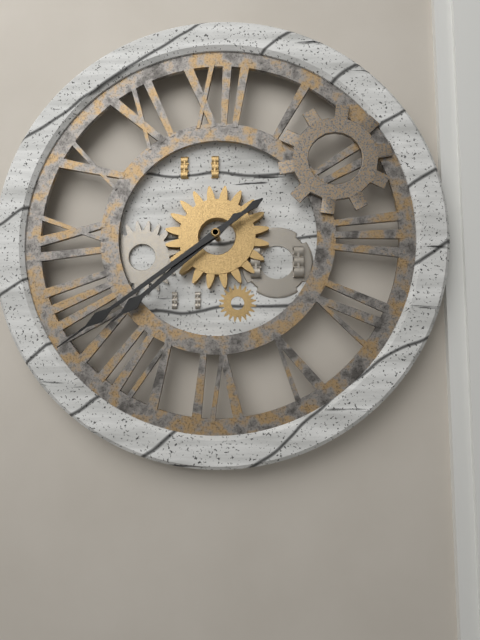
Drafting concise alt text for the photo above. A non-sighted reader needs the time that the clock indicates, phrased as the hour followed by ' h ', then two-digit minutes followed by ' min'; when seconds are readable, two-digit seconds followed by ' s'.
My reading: 7 h 39 min
